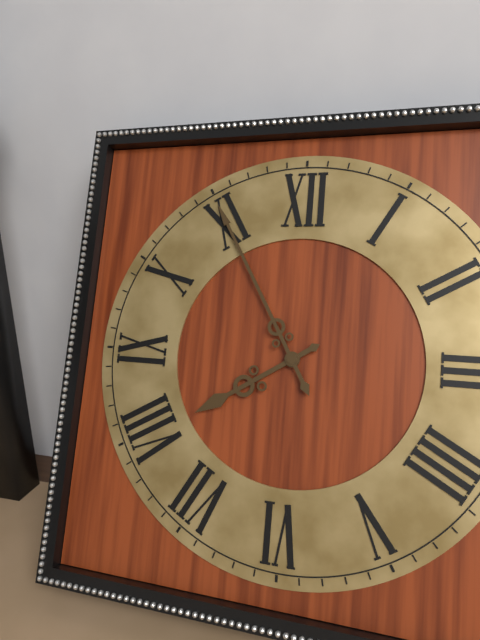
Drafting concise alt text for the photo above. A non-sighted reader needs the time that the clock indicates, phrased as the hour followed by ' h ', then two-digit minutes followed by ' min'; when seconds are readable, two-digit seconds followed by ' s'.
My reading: 7 h 55 min
